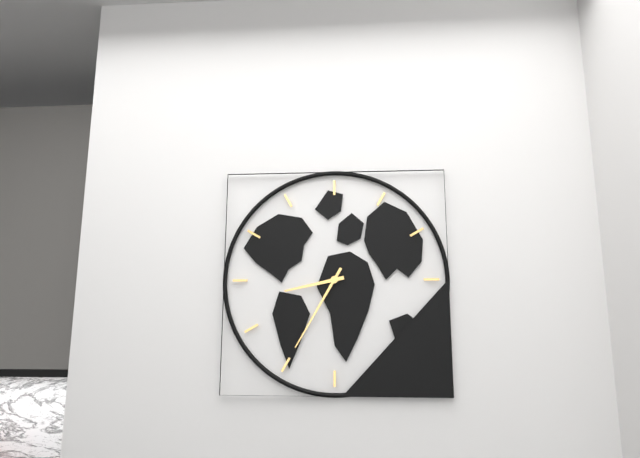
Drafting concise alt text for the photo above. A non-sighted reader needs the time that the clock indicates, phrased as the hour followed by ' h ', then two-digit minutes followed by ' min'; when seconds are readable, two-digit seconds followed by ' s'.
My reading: 8 h 35 min
